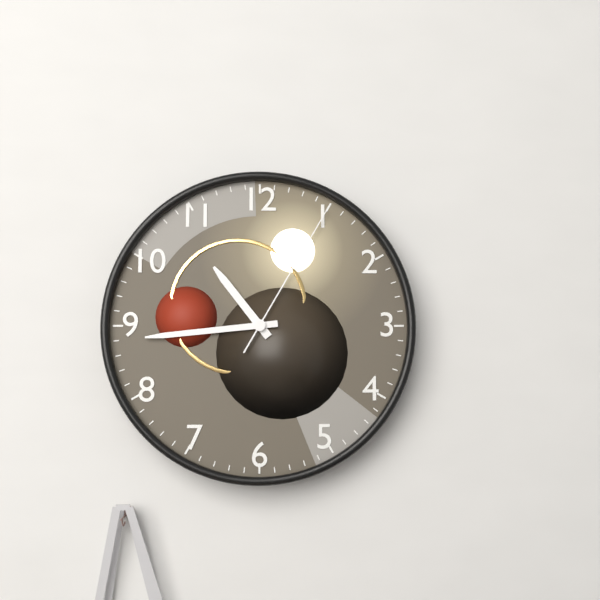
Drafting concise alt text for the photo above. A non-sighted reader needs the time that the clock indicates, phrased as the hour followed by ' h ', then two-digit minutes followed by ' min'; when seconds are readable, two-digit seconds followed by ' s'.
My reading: 10 h 44 min 05 s
